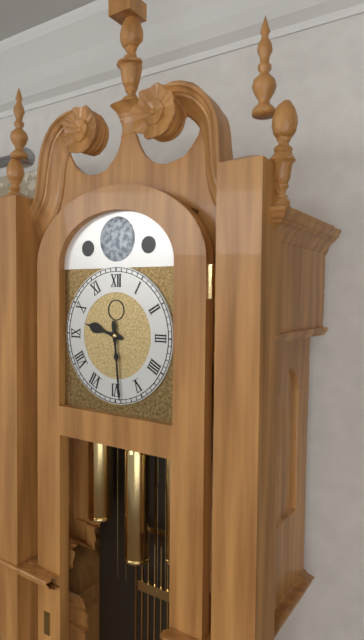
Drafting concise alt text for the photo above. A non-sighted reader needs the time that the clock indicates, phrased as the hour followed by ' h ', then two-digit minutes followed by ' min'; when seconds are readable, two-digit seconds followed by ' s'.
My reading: 9 h 29 min
